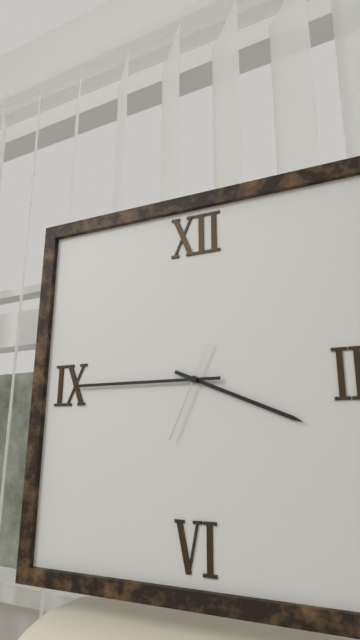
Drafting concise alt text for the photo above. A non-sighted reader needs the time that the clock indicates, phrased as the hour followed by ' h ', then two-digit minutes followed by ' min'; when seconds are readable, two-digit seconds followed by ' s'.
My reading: 3 h 45 min 34 s
